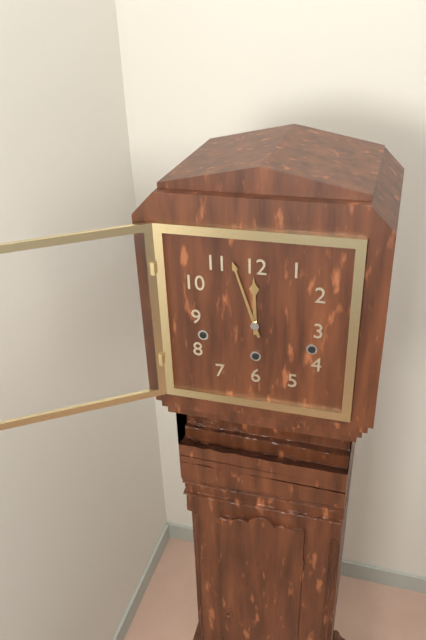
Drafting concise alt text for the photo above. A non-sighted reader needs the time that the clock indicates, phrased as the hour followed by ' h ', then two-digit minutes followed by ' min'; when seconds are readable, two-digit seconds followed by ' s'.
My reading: 11 h 57 min
